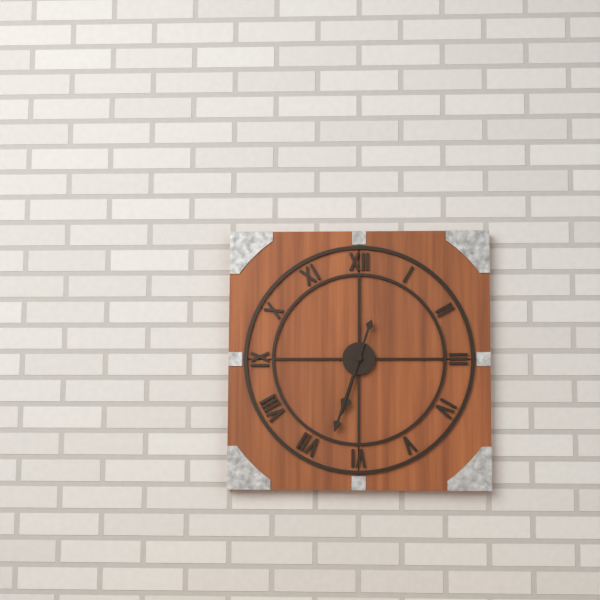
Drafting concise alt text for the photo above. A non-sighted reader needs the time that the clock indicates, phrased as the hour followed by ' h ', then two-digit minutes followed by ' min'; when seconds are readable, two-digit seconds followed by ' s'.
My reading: 6 h 33 min
